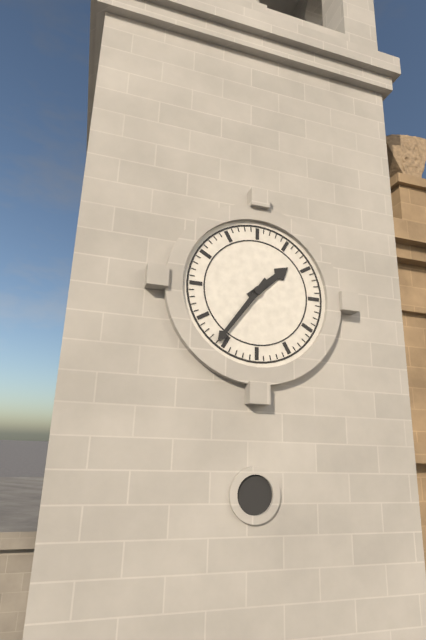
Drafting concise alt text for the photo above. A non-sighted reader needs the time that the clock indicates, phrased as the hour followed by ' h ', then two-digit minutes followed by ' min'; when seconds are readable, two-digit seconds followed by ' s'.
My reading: 1 h 36 min
